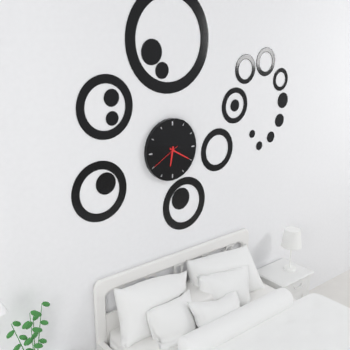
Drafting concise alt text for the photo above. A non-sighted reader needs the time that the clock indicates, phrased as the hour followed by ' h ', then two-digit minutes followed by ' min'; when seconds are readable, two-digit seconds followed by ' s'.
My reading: 6 h 20 min
